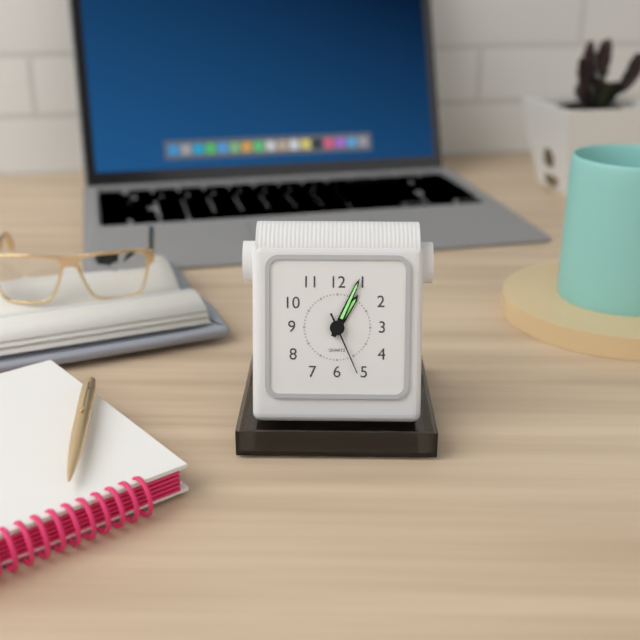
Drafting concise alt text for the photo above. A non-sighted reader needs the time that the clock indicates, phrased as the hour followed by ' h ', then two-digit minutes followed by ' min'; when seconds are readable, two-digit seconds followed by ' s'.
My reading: 1 h 04 min 26 s
